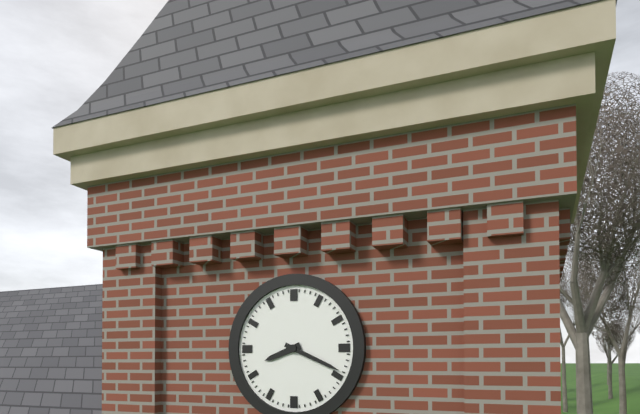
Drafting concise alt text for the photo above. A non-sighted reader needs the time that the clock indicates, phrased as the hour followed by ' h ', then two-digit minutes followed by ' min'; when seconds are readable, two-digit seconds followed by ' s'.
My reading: 8 h 19 min
